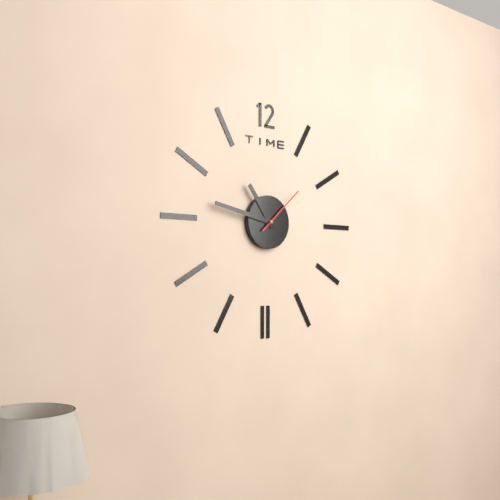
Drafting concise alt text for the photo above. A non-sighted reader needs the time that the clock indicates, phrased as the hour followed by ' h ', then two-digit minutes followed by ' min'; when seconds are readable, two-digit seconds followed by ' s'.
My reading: 10 h 47 min 08 s
